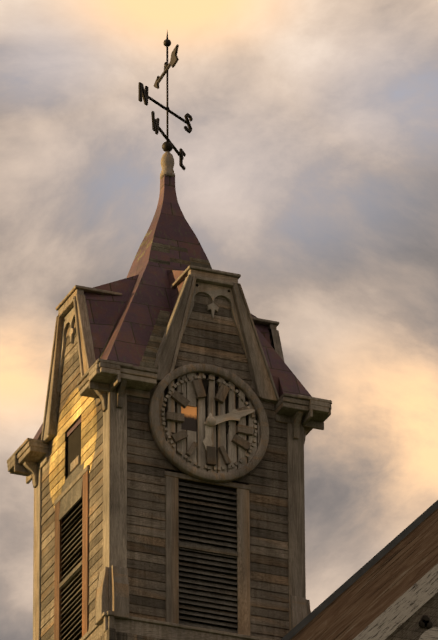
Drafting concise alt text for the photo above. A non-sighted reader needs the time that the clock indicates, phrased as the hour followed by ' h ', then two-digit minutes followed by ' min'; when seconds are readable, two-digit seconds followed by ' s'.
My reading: 6 h 11 min
